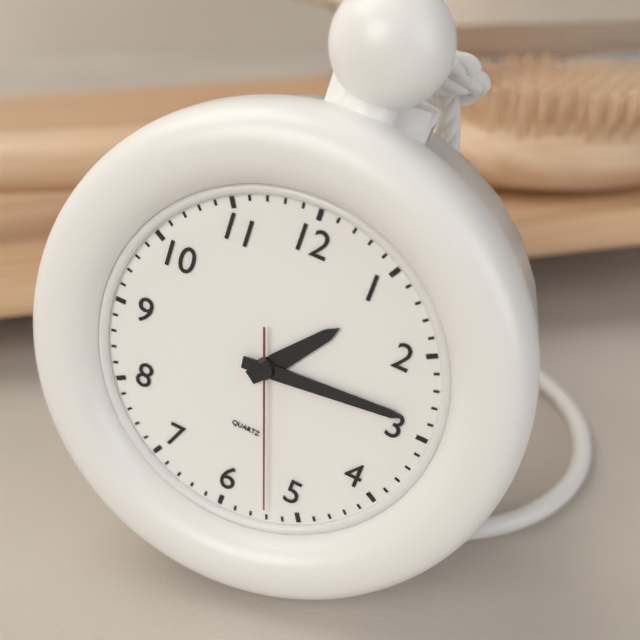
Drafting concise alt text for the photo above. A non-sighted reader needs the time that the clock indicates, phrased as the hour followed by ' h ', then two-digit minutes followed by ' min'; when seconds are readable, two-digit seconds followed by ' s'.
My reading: 1 h 14 min 27 s
